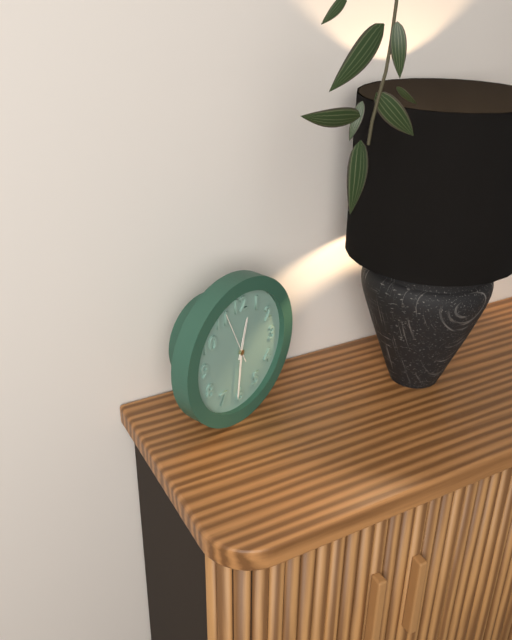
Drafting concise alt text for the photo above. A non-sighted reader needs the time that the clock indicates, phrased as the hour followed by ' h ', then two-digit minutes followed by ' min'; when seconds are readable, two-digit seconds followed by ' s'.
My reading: 12 h 31 min 56 s
